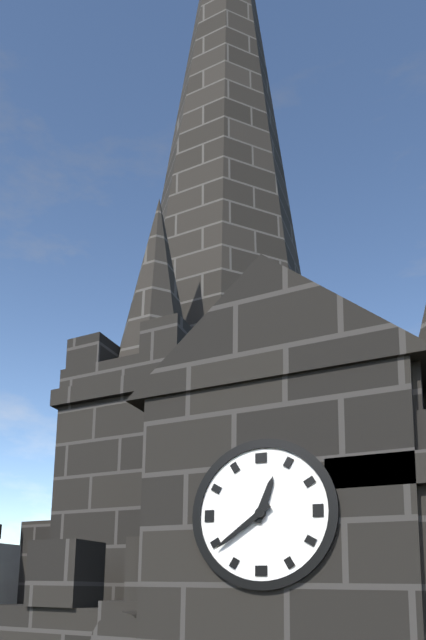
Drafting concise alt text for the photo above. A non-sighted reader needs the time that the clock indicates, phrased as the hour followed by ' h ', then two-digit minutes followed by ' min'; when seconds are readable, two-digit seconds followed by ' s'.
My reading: 12 h 39 min
